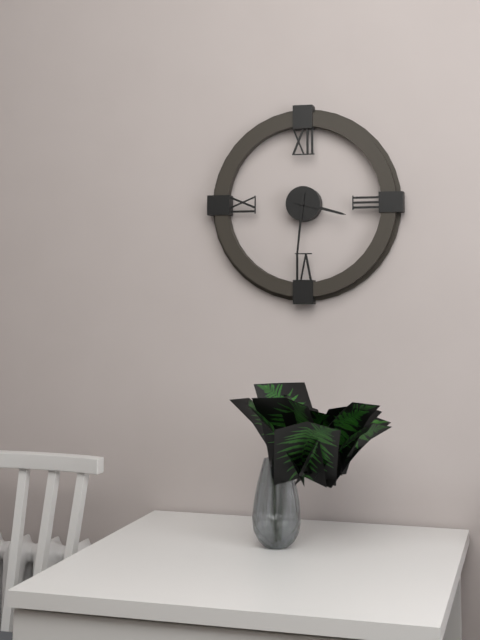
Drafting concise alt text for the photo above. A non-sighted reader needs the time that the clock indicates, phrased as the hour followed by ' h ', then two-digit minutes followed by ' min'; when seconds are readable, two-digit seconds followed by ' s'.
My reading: 3 h 31 min
